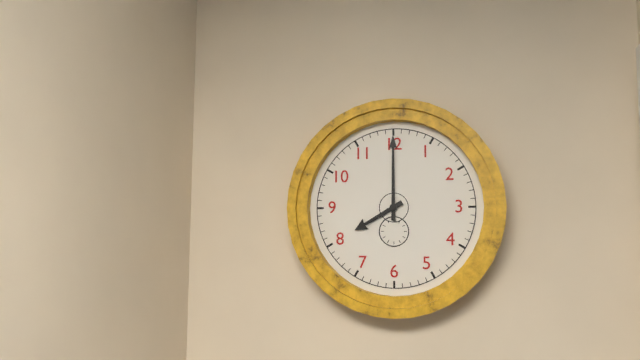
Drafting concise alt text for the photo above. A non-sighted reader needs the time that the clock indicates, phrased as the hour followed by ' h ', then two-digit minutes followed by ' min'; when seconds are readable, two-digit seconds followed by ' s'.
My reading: 8 h 00 min
